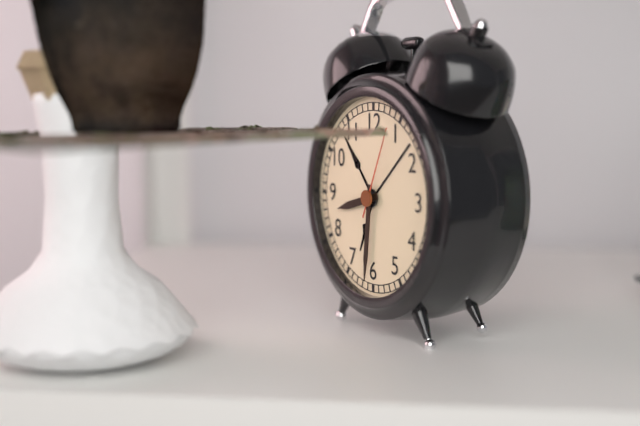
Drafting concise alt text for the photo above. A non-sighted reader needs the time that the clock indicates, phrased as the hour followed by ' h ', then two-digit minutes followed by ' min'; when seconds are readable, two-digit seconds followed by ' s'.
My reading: 8 h 31 min 04 s
